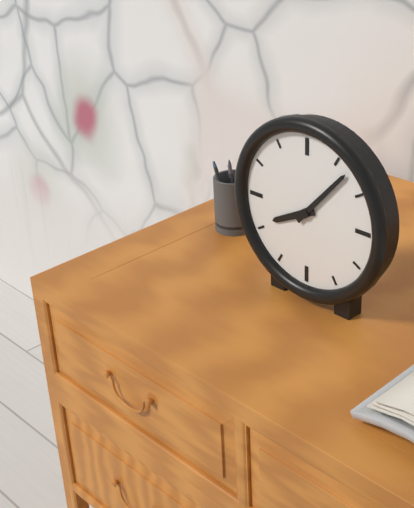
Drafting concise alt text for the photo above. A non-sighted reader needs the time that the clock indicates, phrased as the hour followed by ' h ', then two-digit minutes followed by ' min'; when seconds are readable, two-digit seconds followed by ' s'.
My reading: 8 h 07 min
